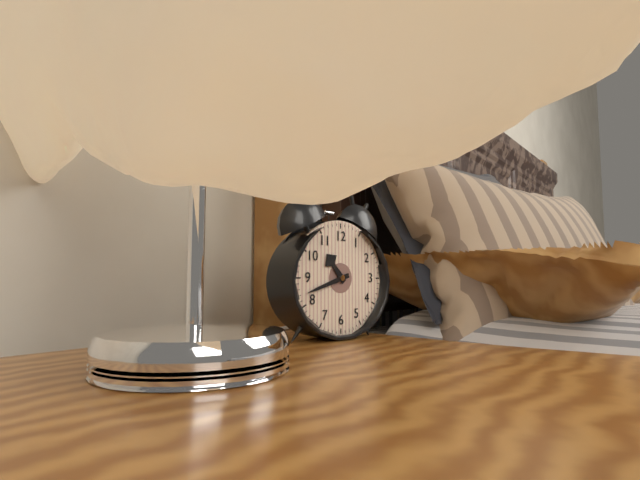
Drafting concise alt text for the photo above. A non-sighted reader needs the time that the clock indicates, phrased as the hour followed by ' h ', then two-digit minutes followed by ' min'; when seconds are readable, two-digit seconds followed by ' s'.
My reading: 10 h 42 min
